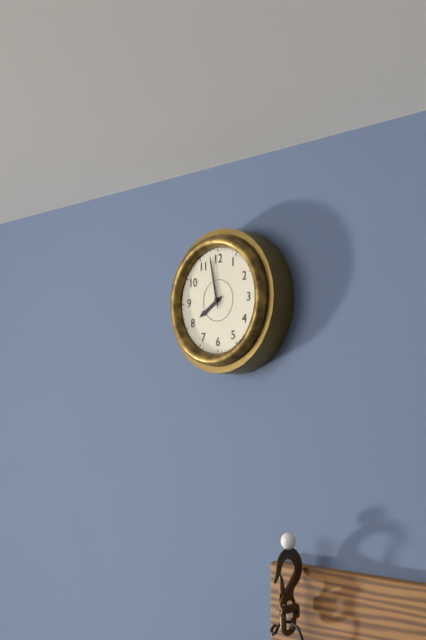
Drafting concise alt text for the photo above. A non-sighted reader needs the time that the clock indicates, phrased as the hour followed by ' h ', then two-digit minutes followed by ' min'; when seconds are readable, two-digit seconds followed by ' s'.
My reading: 7 h 58 min
